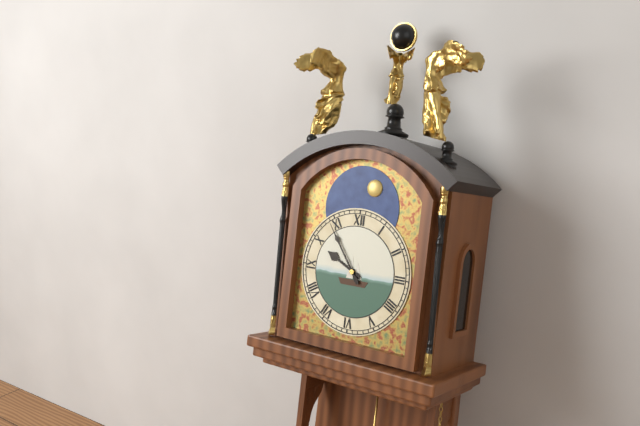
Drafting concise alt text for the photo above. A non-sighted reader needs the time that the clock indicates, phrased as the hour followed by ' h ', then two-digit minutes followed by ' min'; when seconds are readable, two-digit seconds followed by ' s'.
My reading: 9 h 54 min
